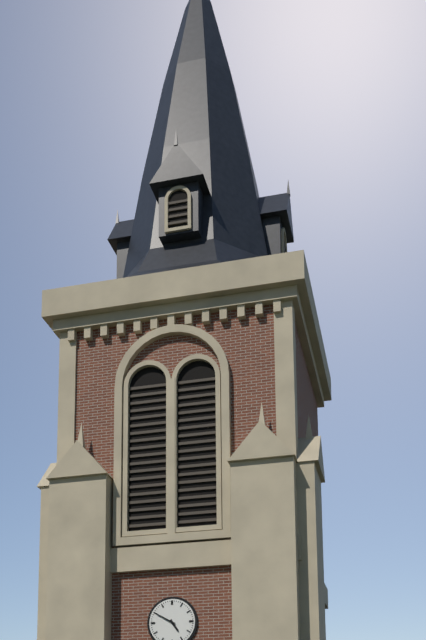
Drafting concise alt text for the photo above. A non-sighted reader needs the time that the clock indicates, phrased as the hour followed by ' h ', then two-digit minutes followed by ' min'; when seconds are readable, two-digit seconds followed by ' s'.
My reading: 4 h 50 min
